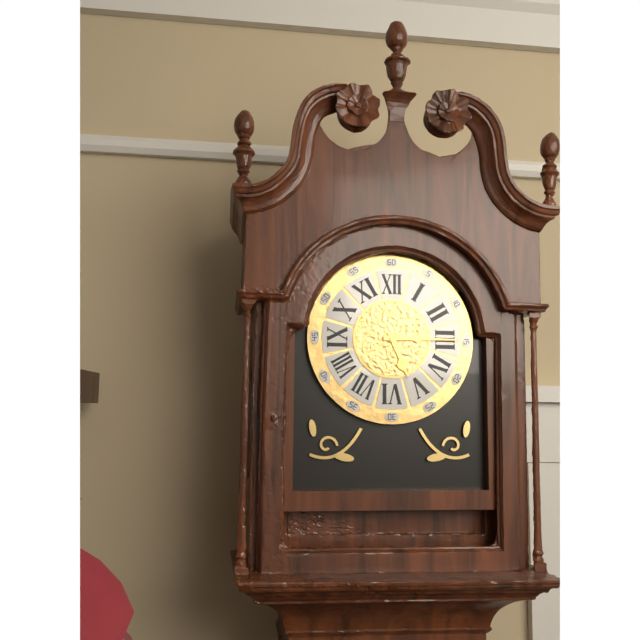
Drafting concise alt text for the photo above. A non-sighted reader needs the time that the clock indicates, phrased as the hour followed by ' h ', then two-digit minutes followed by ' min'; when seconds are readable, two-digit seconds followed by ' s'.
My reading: 5 h 15 min
